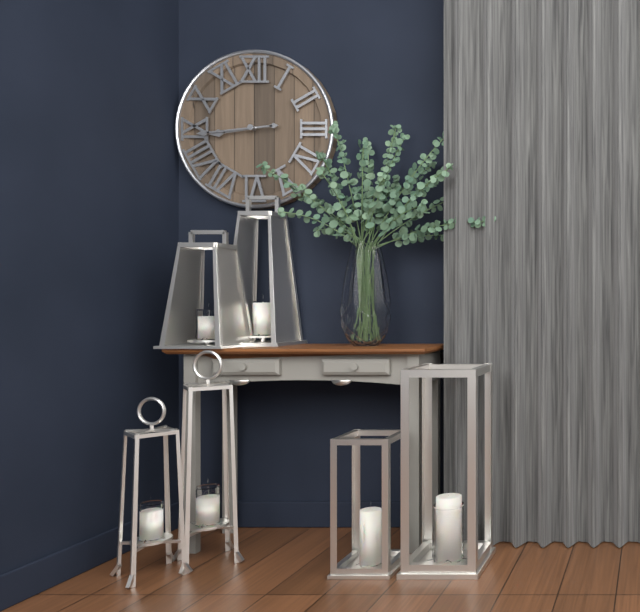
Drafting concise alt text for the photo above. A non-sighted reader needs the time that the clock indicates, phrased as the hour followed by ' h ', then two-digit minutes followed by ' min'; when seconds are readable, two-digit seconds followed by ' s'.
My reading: 8 h 44 min
